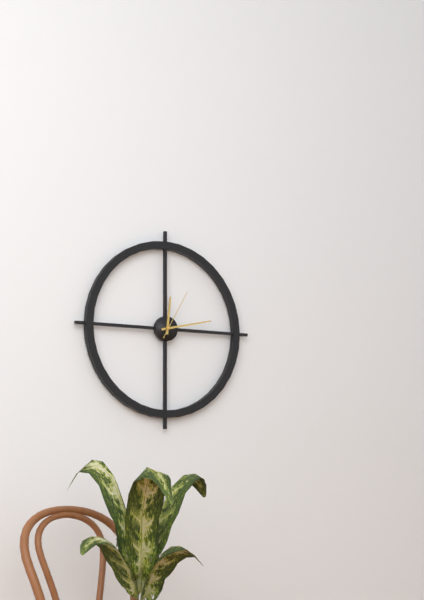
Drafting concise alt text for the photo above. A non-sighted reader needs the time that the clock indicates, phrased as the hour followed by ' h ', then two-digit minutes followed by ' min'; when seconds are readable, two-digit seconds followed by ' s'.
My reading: 12 h 13 min 05 s
